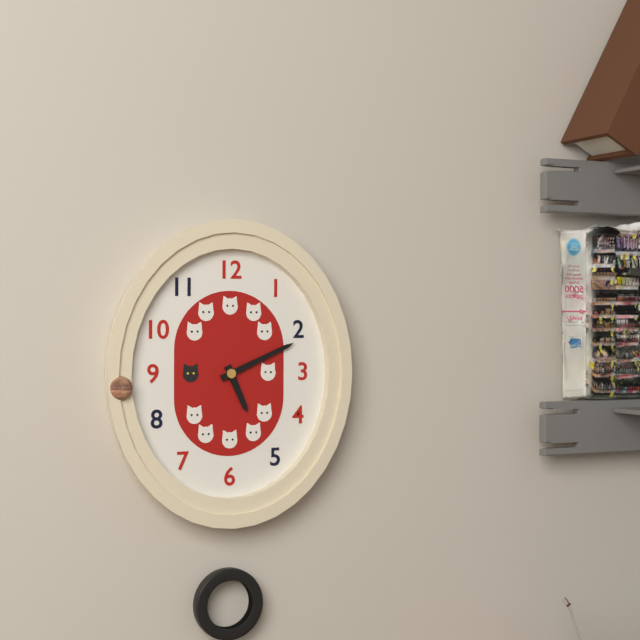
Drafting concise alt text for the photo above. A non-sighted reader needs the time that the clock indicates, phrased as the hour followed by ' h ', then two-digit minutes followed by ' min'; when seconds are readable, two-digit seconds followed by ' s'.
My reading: 5 h 11 min
